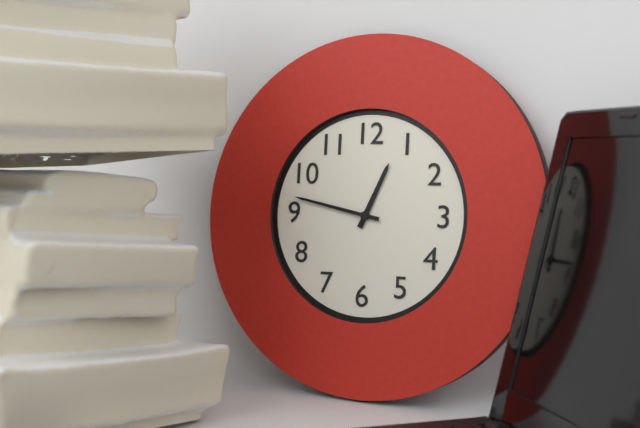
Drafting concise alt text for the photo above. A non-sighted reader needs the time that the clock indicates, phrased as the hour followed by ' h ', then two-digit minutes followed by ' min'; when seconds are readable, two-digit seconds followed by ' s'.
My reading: 12 h 47 min
